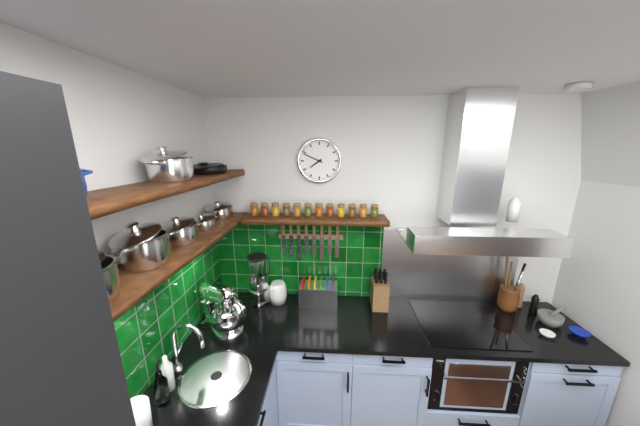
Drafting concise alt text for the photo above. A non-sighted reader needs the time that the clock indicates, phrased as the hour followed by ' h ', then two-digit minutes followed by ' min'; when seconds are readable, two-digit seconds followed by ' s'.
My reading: 7 h 49 min
